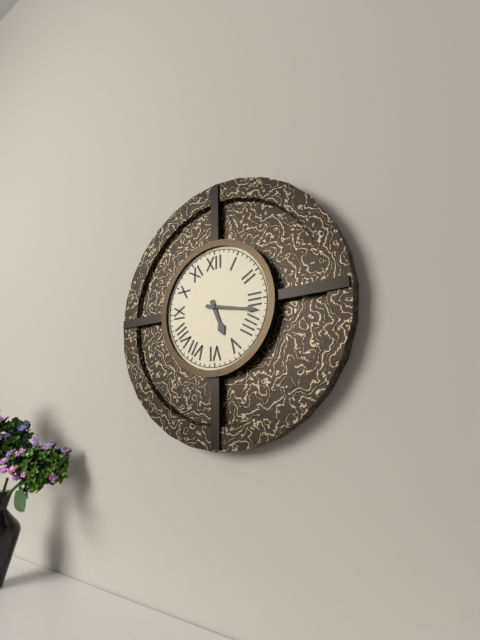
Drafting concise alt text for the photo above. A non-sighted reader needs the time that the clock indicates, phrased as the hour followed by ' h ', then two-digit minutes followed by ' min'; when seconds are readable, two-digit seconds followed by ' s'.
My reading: 5 h 17 min
